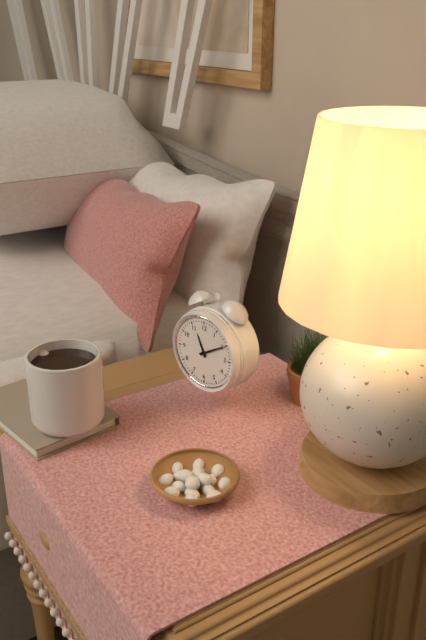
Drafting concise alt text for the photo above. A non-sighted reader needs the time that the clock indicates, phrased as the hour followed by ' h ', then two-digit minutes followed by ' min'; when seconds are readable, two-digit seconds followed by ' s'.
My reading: 11 h 10 min
